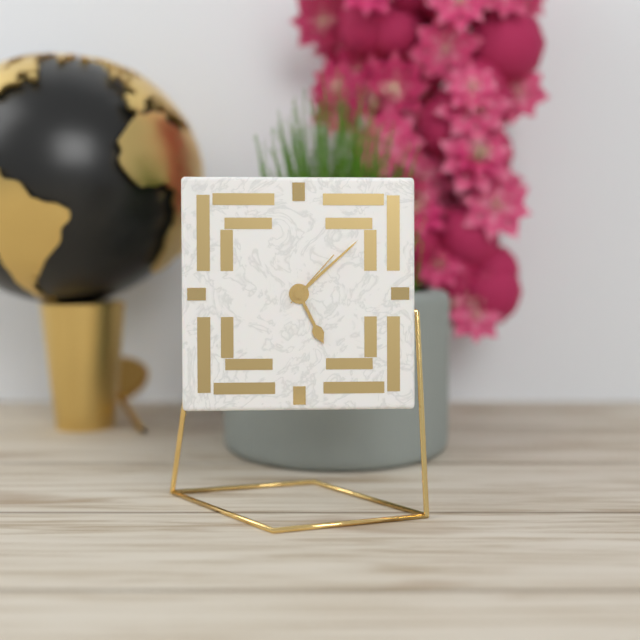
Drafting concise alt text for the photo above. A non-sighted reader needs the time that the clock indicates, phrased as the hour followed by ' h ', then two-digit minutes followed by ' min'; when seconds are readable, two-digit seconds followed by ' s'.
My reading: 5 h 08 min 07 s
